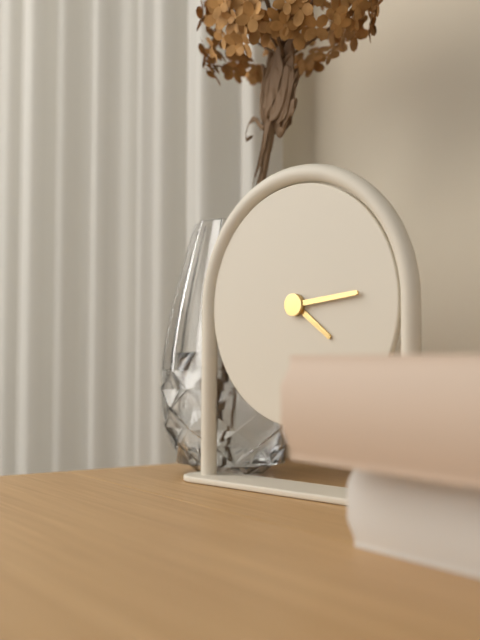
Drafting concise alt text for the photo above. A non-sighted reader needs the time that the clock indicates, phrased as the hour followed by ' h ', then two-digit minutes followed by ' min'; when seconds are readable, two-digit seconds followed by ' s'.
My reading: 4 h 14 min
